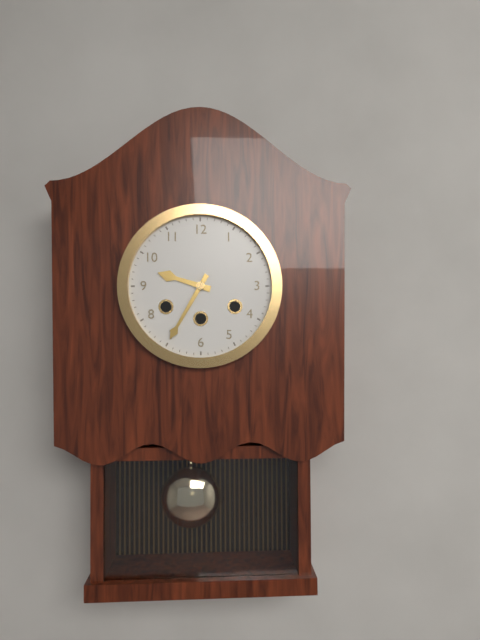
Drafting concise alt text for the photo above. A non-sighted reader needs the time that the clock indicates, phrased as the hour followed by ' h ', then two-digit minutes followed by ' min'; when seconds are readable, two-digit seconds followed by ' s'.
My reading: 9 h 35 min
